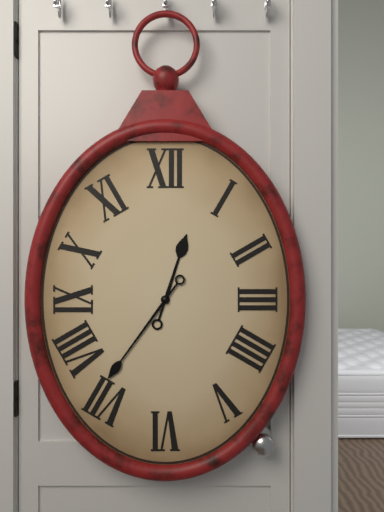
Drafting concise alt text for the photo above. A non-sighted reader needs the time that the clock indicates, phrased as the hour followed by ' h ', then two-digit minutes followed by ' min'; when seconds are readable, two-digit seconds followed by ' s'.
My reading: 12 h 36 min
